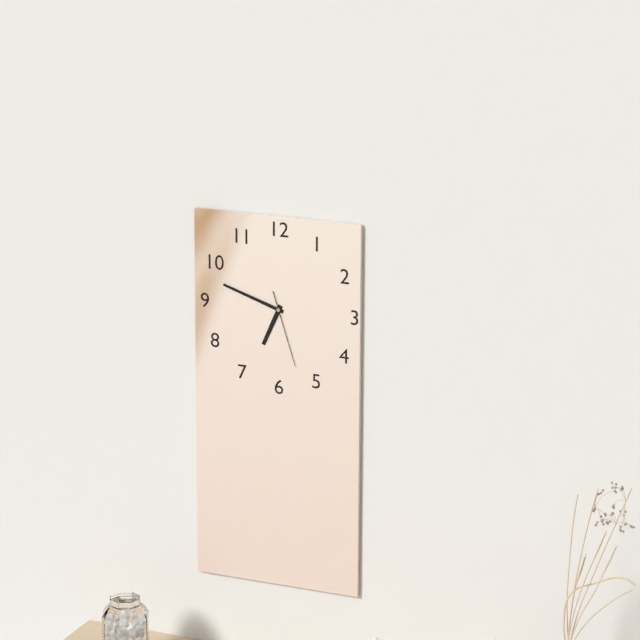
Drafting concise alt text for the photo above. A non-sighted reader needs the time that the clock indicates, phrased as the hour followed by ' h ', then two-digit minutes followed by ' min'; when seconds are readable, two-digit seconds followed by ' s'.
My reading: 6 h 48 min 27 s
